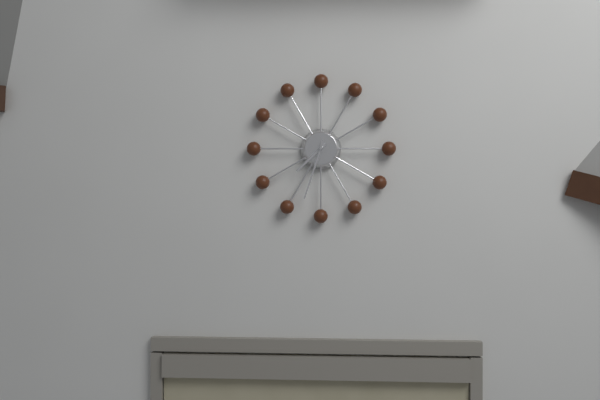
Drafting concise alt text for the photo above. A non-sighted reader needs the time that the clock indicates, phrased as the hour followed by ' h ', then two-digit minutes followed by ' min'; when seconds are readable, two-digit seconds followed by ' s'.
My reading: 7 h 33 min
